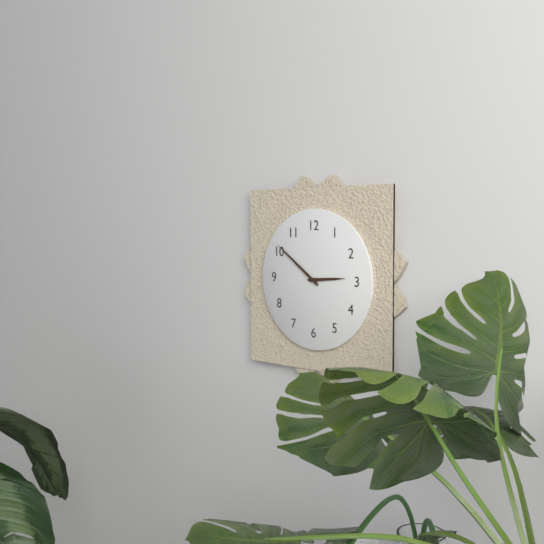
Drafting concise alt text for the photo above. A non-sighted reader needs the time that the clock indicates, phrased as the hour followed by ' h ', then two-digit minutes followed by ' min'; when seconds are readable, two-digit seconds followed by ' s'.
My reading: 2 h 51 min
